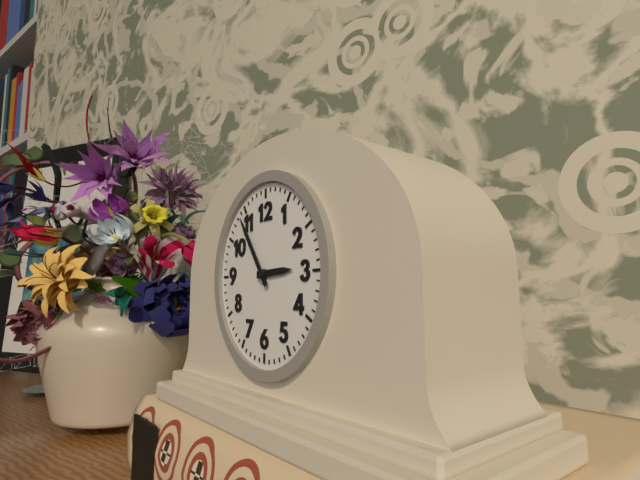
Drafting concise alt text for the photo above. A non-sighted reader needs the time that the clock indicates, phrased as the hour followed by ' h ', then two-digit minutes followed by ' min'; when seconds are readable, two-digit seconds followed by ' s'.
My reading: 2 h 54 min
